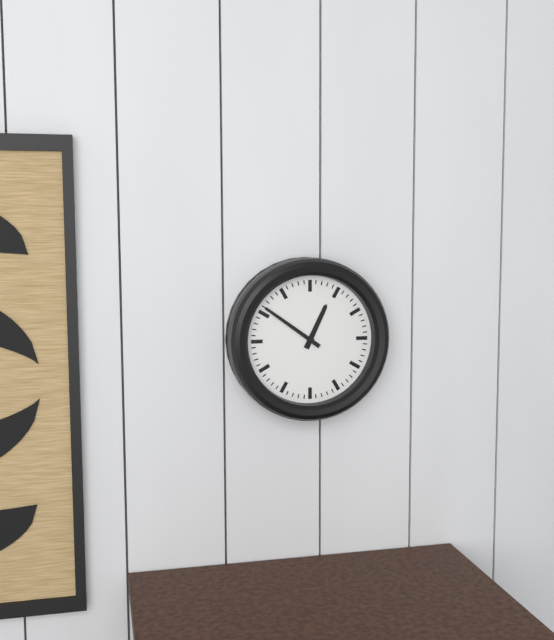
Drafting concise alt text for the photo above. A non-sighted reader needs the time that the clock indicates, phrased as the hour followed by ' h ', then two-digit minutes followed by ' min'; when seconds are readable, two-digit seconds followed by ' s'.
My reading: 12 h 51 min
